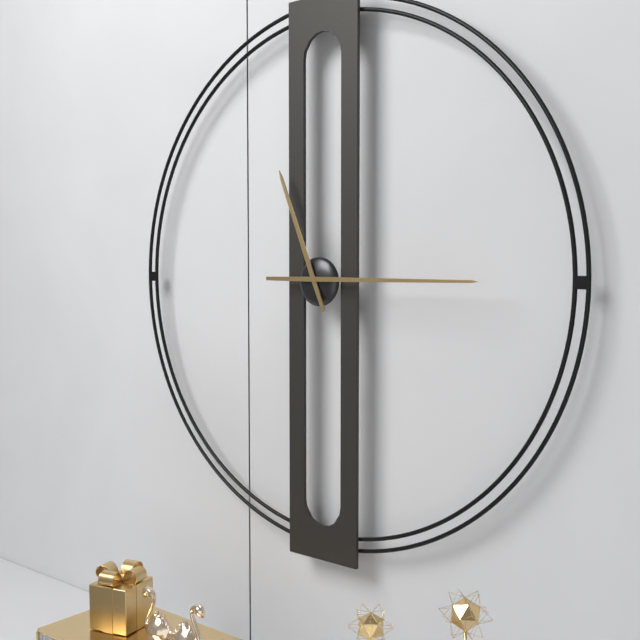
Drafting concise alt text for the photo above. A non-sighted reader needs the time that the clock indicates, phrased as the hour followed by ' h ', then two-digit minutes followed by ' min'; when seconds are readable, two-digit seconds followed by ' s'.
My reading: 11 h 15 min
